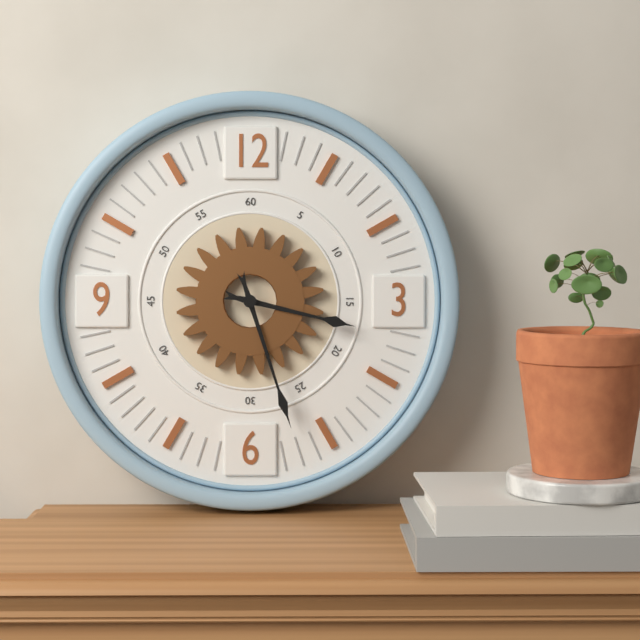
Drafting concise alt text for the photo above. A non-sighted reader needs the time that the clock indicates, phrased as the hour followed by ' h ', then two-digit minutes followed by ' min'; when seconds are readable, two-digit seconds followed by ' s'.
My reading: 3 h 27 min
